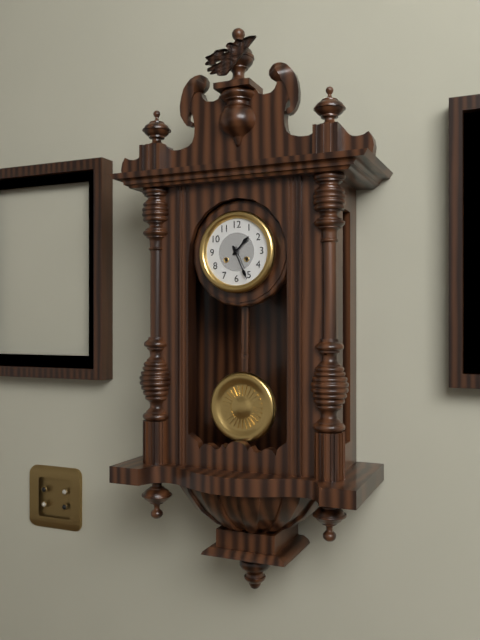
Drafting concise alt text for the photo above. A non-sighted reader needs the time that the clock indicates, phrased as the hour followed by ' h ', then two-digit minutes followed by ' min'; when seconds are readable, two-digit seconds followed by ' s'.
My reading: 1 h 26 min
